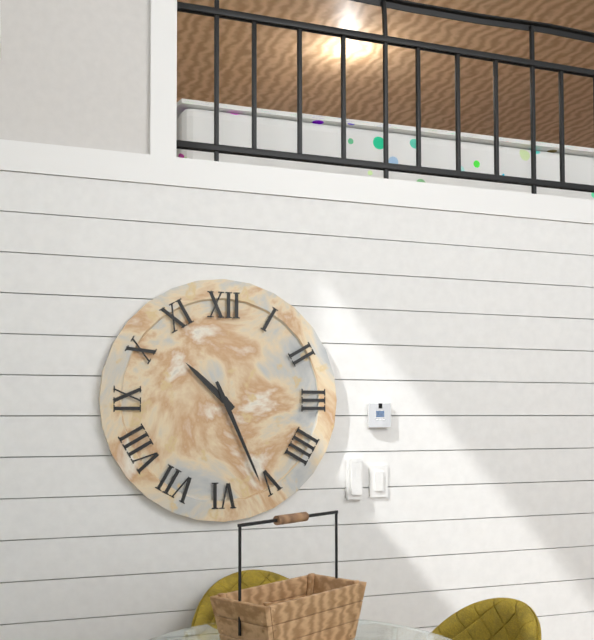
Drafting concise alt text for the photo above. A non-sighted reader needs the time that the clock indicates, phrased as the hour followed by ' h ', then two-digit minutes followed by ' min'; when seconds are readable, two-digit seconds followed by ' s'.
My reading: 10 h 26 min
